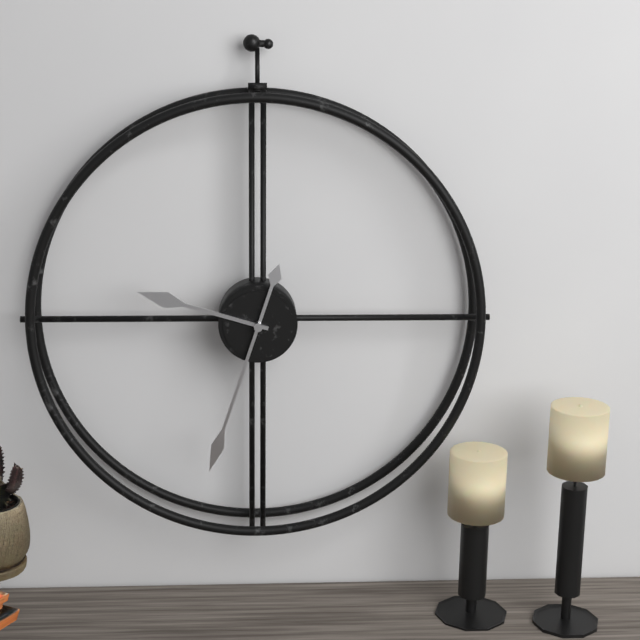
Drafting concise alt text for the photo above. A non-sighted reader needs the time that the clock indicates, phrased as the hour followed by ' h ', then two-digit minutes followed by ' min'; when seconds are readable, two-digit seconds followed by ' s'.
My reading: 9 h 33 min
